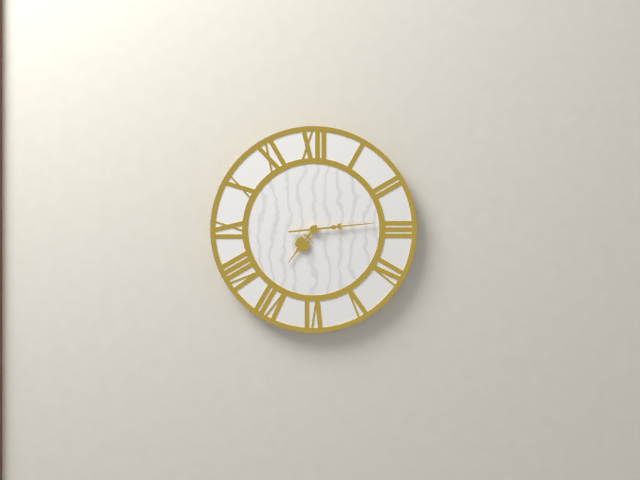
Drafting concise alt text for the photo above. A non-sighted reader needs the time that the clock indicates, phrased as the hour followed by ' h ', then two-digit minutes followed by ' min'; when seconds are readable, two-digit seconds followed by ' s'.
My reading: 7 h 14 min
